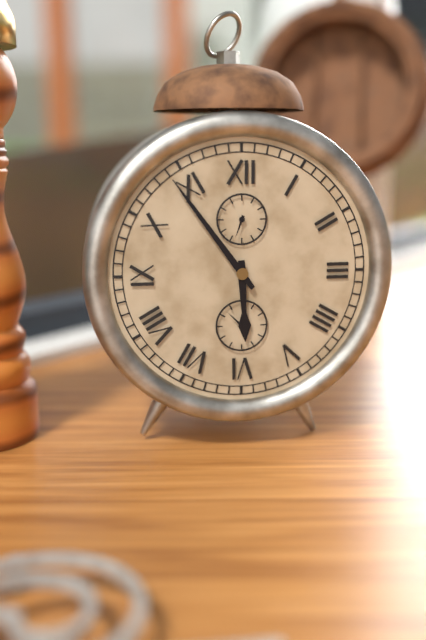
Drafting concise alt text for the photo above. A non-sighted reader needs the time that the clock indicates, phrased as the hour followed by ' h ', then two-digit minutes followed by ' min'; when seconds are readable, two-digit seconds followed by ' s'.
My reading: 5 h 54 min
